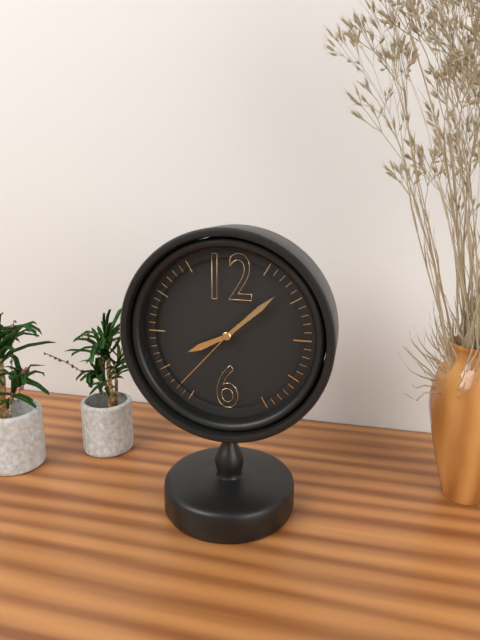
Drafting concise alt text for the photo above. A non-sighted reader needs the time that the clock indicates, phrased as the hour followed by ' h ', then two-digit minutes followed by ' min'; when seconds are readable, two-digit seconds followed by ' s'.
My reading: 8 h 08 min 37 s
